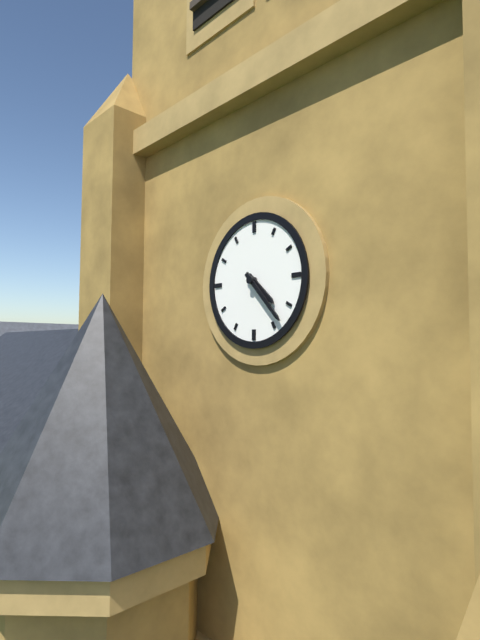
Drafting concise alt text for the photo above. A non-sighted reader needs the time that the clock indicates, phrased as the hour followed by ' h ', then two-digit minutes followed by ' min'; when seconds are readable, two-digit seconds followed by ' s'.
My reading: 4 h 23 min
